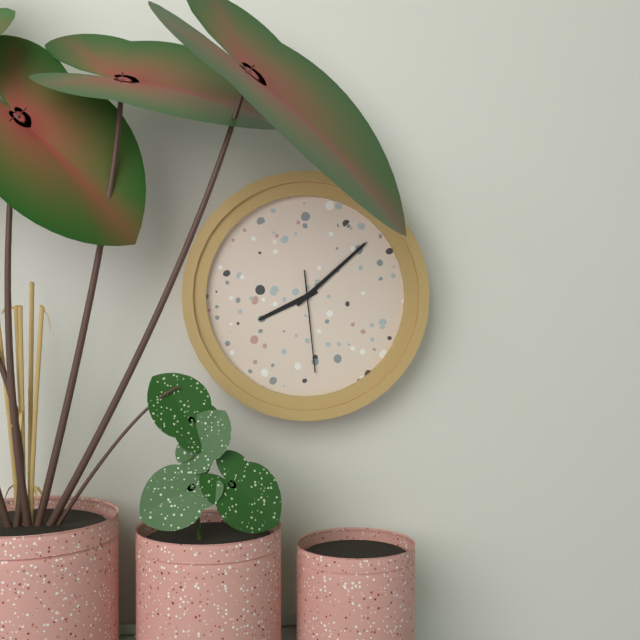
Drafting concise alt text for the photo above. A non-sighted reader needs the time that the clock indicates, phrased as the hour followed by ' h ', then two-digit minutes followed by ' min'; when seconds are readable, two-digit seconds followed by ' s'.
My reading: 8 h 08 min 29 s
